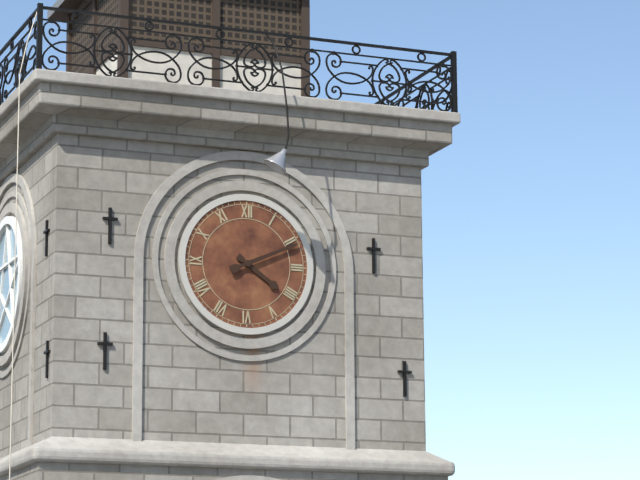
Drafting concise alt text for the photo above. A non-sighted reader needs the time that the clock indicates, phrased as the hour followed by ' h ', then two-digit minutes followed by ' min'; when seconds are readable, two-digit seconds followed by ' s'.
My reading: 4 h 11 min
